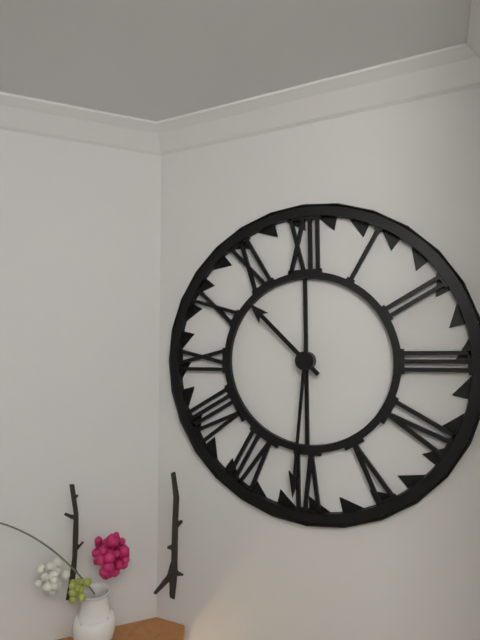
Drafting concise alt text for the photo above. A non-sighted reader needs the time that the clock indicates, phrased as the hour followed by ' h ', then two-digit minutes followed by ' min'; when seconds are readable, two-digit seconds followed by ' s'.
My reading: 10 h 31 min
